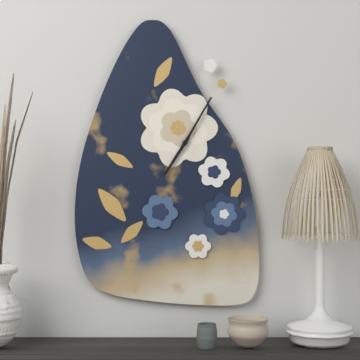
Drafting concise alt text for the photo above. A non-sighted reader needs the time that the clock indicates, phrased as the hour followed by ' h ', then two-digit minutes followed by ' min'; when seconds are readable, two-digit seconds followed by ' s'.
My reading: 7 h 05 min
